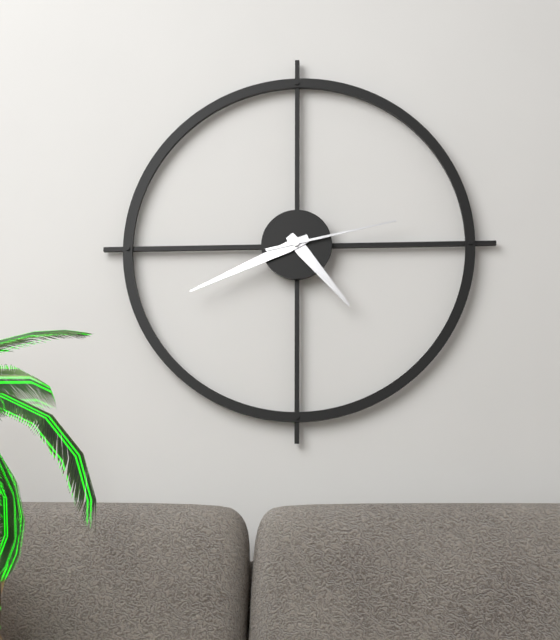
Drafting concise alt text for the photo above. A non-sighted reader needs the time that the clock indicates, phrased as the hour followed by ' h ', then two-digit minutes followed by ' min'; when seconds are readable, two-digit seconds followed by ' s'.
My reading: 4 h 41 min 13 s
